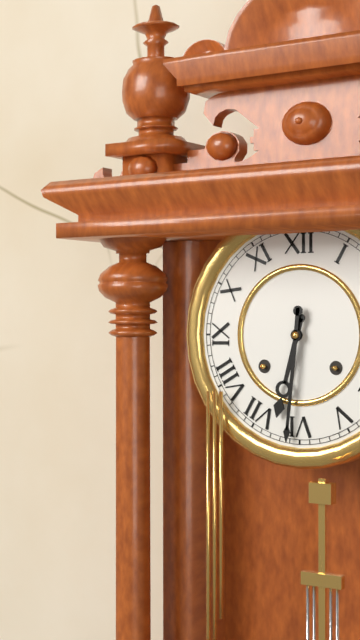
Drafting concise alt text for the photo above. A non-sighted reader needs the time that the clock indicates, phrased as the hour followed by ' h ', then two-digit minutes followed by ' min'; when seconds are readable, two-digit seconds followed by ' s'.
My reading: 6 h 31 min
